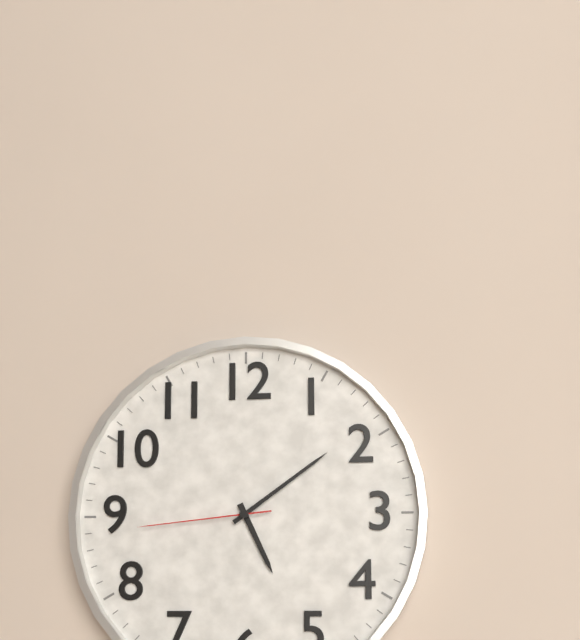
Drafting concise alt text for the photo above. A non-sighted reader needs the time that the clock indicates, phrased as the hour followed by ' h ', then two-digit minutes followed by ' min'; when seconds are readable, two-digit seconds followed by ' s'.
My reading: 5 h 09 min 44 s
